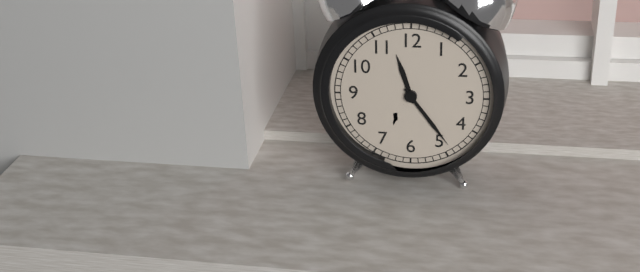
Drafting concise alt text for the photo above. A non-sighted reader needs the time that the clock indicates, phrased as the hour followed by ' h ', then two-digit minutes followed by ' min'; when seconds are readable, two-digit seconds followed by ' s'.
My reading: 11 h 24 min
